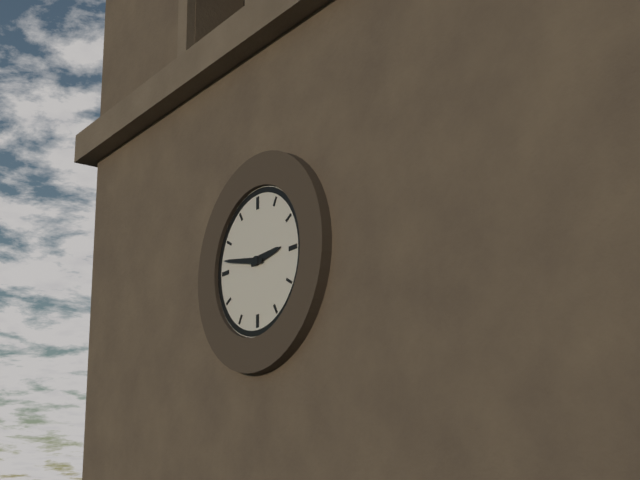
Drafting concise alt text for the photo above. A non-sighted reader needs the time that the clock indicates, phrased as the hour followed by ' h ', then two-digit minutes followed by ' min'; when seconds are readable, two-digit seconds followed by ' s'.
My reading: 2 h 47 min
